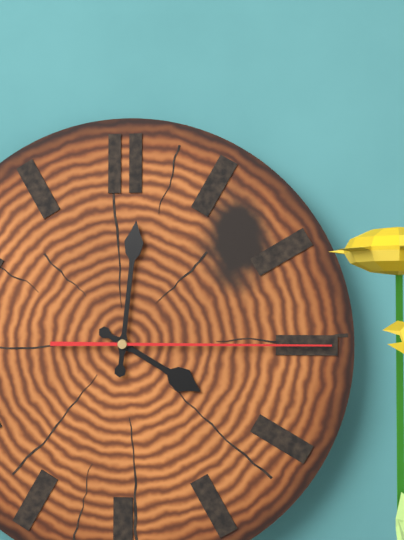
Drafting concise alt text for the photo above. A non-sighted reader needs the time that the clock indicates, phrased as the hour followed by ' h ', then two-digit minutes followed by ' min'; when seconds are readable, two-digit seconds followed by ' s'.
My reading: 4 h 01 min 15 s
